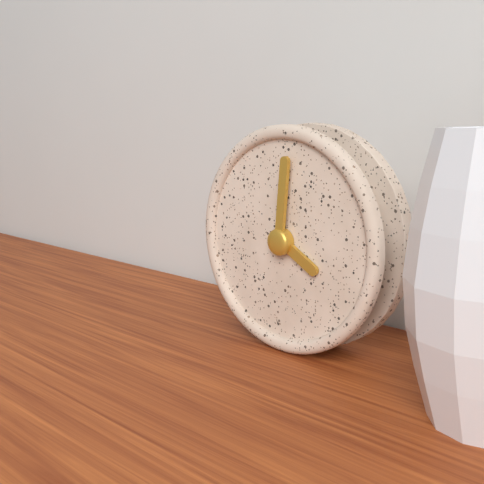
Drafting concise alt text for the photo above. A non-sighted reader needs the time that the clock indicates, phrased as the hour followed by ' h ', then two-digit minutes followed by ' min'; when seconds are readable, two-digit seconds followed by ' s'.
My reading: 4 h 01 min
